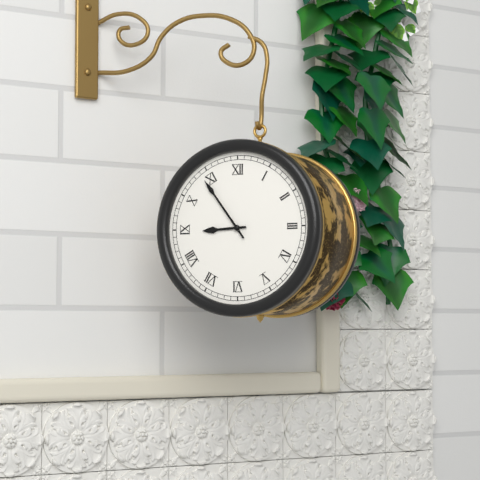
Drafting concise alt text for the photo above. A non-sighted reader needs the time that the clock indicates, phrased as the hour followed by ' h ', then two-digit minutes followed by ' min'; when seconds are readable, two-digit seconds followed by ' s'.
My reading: 8 h 54 min
